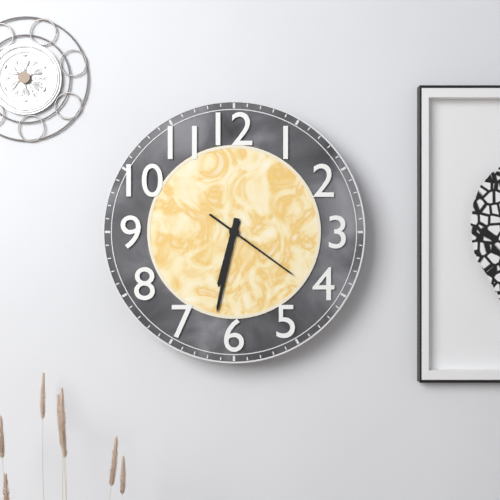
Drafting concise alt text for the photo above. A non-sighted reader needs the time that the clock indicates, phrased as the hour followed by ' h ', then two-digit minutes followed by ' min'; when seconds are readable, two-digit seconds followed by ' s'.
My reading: 6 h 32 min 21 s
